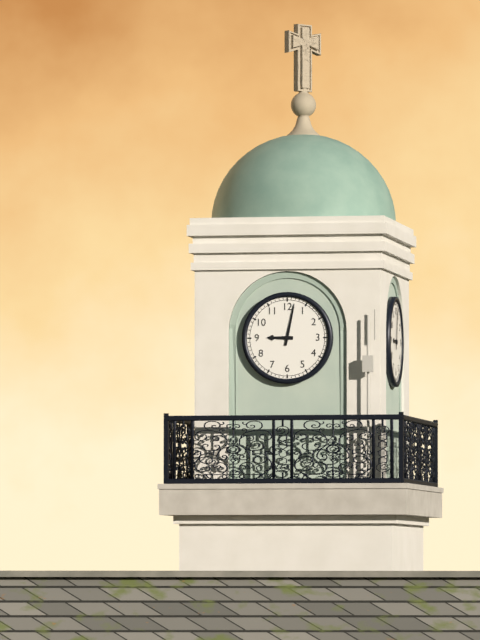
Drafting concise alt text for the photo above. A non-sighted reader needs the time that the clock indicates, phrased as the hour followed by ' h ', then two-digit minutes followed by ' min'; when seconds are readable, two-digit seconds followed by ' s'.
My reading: 9 h 02 min
